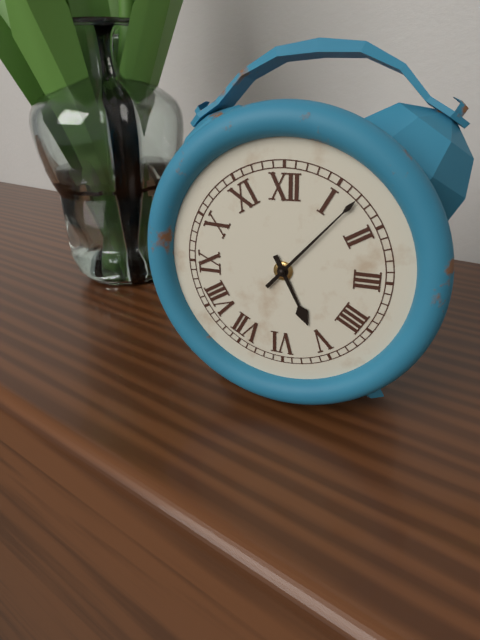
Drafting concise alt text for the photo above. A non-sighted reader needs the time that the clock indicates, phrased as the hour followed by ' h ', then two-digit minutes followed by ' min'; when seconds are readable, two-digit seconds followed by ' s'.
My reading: 5 h 07 min
